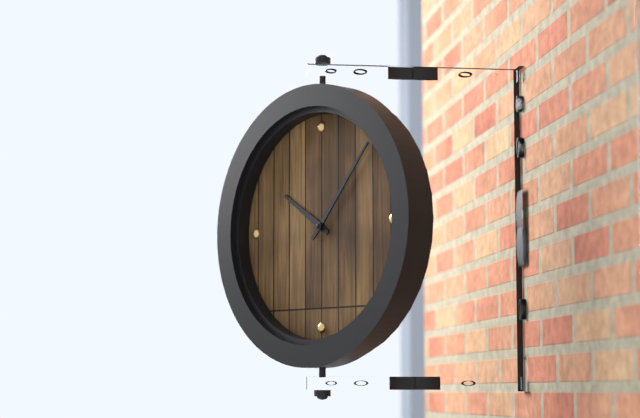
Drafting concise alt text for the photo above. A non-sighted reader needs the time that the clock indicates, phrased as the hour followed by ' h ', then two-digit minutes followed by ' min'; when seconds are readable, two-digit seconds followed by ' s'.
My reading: 10 h 07 min
